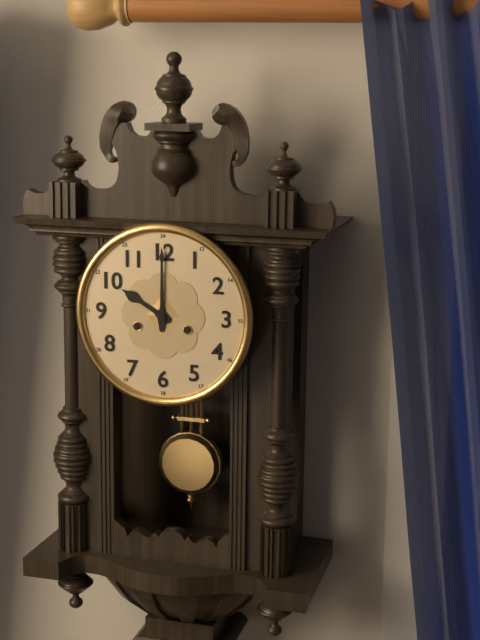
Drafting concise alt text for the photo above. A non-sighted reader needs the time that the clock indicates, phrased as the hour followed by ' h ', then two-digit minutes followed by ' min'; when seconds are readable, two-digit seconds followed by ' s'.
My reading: 10 h 00 min
